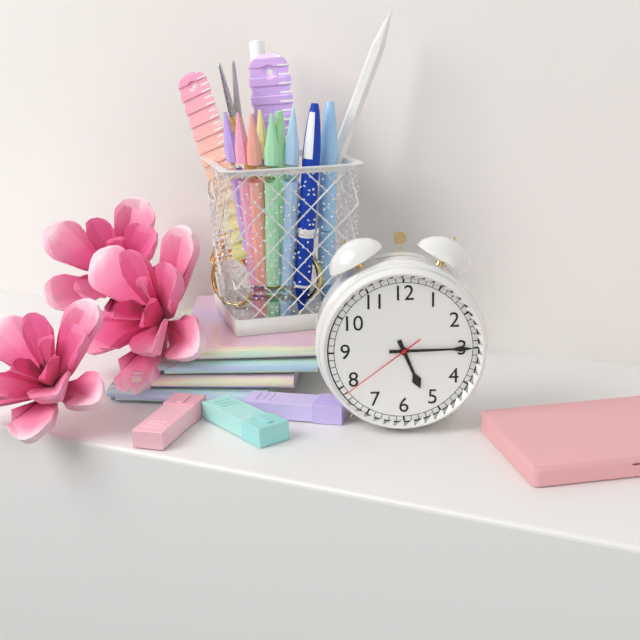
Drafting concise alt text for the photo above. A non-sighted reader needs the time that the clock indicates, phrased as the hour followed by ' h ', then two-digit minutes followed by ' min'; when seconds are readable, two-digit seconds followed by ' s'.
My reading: 5 h 15 min 39 s
